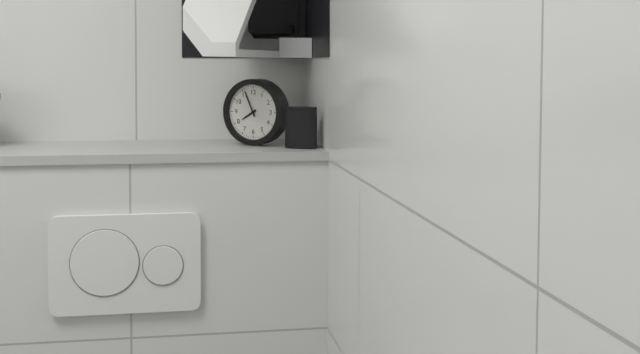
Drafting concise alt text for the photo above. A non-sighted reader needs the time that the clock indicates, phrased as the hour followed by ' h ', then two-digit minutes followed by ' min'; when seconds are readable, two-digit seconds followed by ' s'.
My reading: 7 h 56 min
